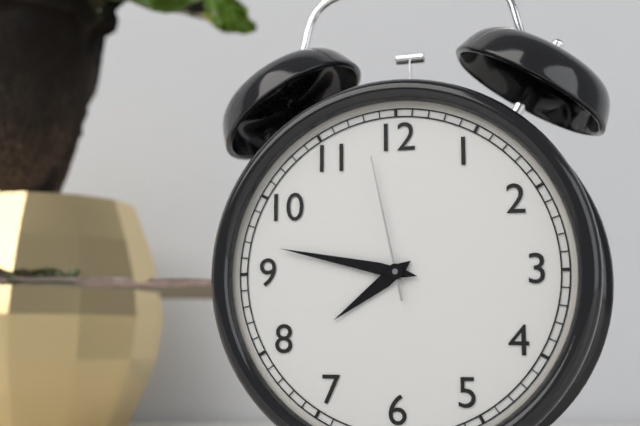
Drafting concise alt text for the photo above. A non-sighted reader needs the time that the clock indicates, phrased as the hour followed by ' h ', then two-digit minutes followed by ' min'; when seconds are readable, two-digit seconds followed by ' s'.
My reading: 7 h 47 min 58 s
